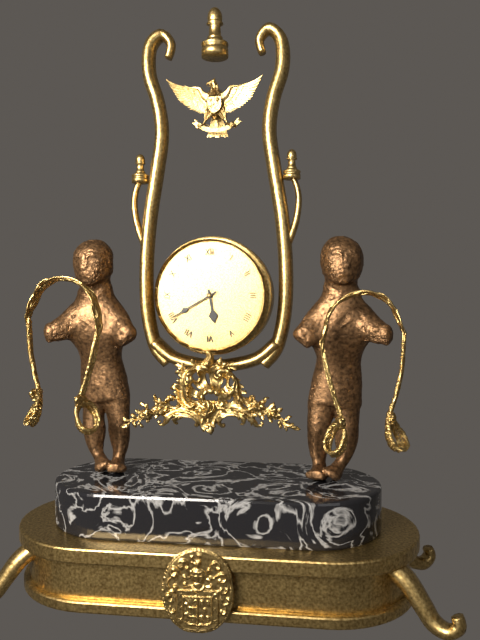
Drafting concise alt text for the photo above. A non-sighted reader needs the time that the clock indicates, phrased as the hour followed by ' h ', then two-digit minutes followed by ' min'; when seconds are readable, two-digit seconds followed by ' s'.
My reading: 5 h 40 min
